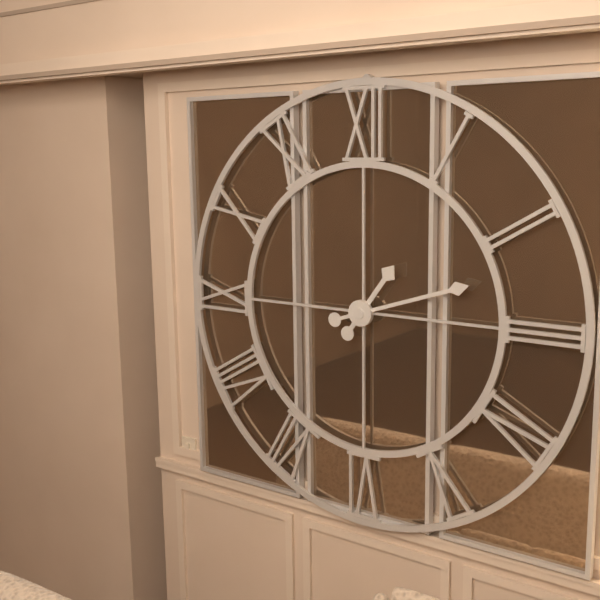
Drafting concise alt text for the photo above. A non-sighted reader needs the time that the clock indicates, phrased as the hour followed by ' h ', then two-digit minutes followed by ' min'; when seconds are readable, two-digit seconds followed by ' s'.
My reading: 1 h 12 min
